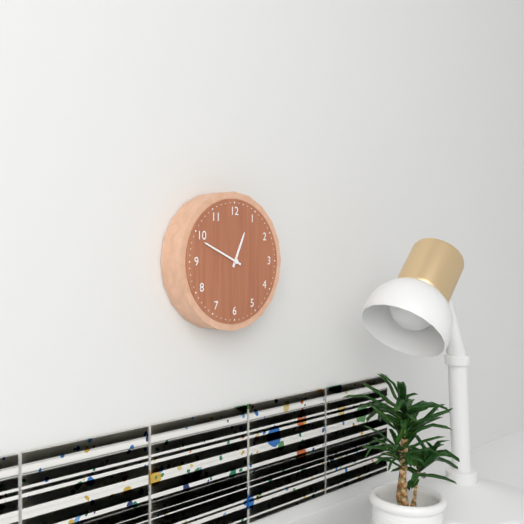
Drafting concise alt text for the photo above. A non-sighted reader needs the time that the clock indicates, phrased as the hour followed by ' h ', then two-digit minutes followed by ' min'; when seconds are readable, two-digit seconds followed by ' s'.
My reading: 12 h 49 min
